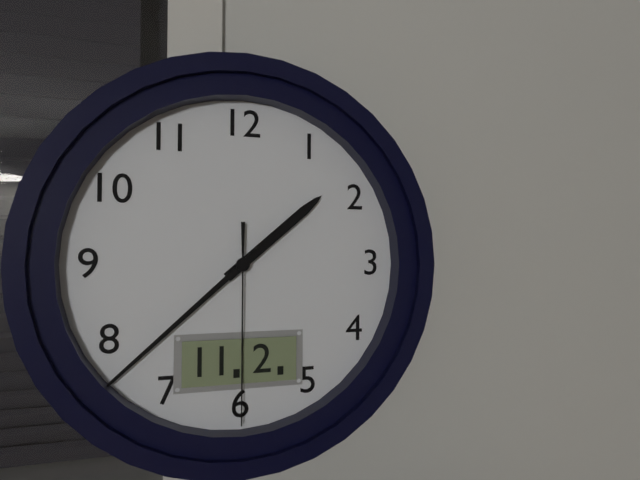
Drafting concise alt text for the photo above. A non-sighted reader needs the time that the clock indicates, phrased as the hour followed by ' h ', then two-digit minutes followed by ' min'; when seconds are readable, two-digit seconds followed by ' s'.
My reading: 1 h 38 min 30 s
